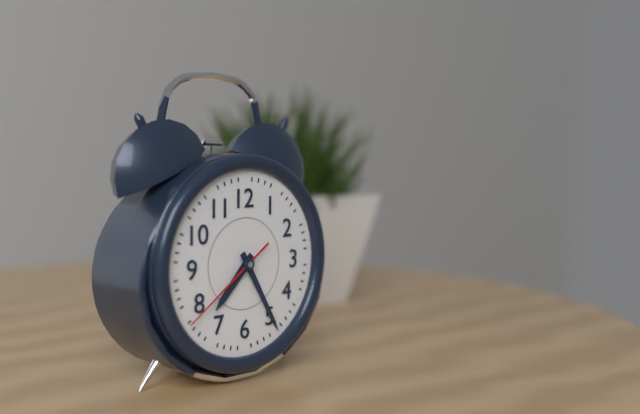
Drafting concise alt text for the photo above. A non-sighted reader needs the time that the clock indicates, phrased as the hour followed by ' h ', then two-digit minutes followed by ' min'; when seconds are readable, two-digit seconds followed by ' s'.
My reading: 7 h 25 min 39 s
